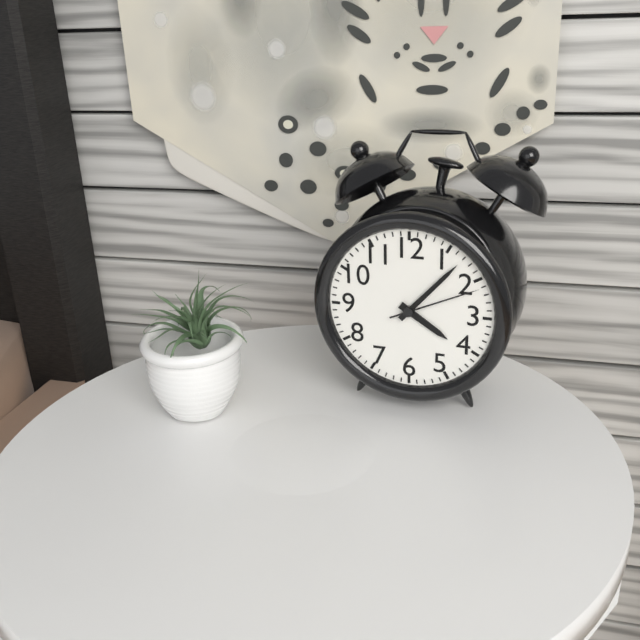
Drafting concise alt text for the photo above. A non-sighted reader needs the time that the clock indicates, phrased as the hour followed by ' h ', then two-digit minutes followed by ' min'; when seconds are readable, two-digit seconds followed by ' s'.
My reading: 4 h 07 min 11 s
